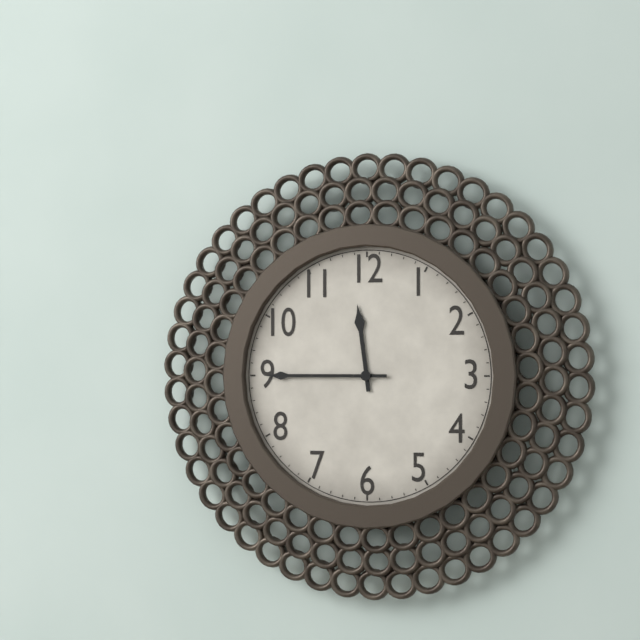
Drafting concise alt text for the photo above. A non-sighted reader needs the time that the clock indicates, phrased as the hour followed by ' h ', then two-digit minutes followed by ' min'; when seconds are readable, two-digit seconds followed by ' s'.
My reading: 11 h 45 min
